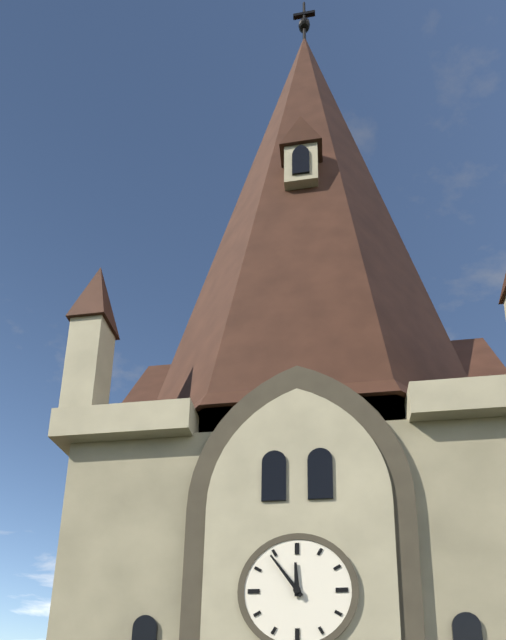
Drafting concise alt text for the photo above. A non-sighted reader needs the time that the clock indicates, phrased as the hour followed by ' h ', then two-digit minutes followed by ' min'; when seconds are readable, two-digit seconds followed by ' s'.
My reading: 11 h 54 min
